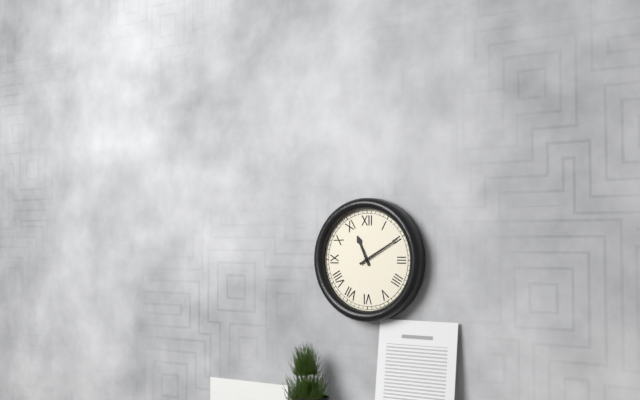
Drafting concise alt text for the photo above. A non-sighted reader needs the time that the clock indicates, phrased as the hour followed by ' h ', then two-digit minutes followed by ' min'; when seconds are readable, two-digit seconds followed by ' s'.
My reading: 11 h 10 min
